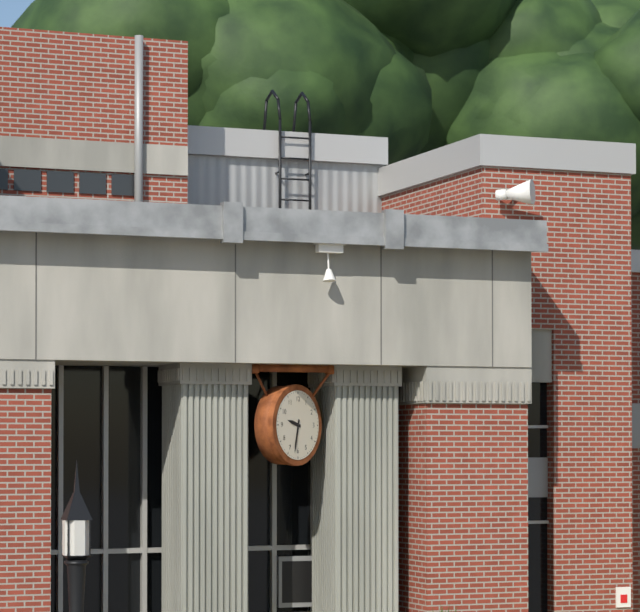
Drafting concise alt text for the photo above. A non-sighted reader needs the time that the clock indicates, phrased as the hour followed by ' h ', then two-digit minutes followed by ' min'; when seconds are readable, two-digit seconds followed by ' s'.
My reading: 9 h 32 min
